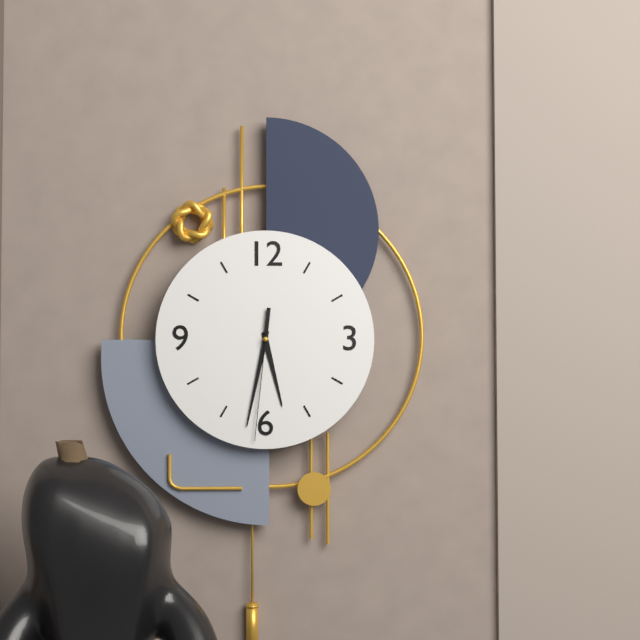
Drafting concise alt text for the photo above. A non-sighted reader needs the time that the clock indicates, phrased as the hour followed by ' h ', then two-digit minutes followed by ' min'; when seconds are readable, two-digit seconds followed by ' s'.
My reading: 5 h 32 min 31 s
